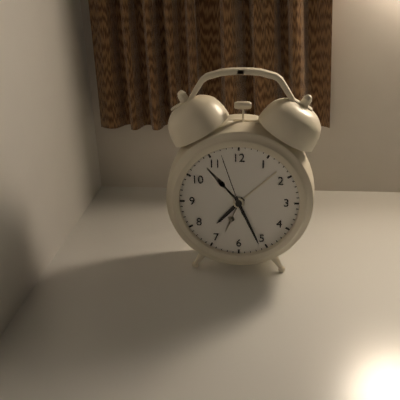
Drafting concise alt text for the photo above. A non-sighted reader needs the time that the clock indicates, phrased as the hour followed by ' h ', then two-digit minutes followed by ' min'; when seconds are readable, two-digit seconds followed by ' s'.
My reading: 7 h 26 min 57 s
